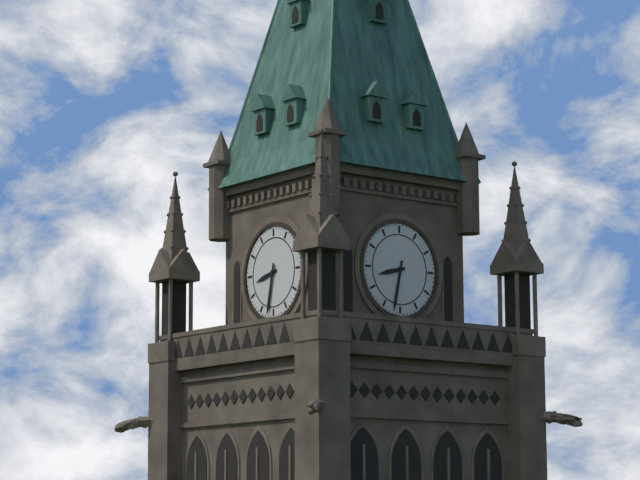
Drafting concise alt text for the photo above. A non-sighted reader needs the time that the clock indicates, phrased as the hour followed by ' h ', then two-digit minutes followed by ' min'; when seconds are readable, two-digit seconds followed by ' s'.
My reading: 8 h 32 min
